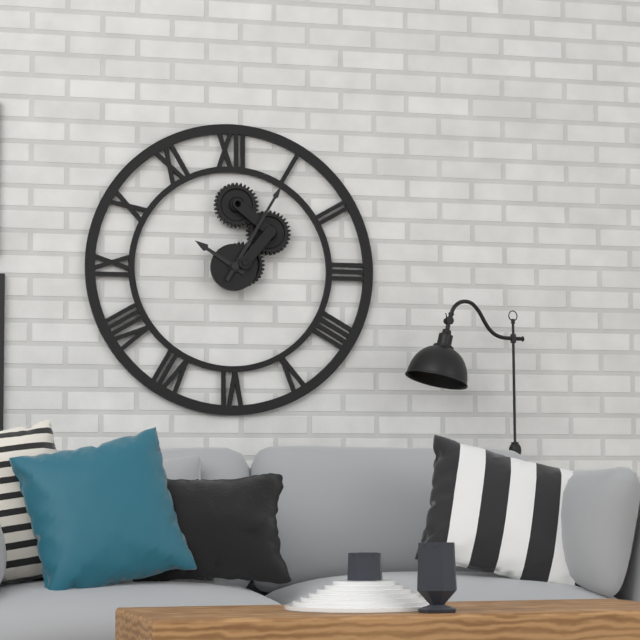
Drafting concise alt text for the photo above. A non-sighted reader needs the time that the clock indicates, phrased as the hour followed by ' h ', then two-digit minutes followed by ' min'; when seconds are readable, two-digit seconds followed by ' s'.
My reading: 10 h 05 min
